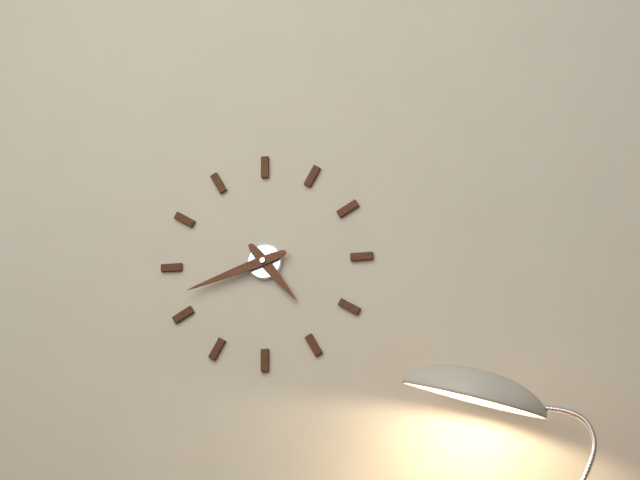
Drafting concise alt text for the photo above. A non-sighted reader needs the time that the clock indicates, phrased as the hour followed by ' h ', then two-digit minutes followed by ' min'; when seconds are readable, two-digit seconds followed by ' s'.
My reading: 4 h 42 min
